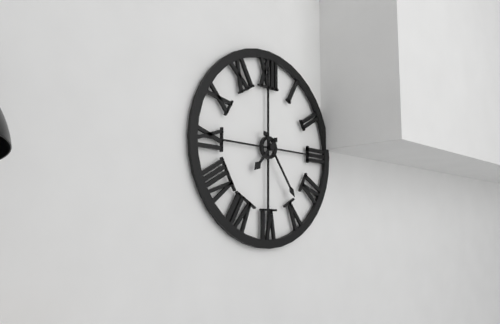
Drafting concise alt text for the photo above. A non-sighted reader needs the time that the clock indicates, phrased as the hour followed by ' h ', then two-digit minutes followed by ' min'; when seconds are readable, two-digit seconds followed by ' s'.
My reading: 7 h 24 min
